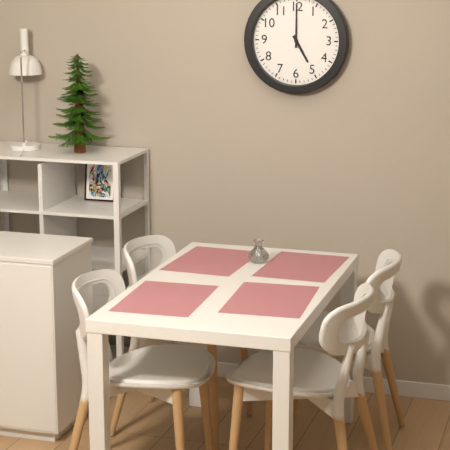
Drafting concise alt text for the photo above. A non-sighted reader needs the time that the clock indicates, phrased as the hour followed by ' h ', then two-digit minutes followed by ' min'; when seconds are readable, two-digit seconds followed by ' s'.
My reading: 5 h 00 min
